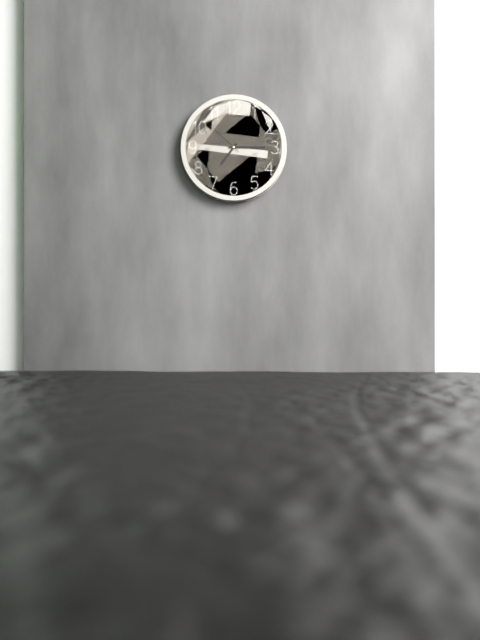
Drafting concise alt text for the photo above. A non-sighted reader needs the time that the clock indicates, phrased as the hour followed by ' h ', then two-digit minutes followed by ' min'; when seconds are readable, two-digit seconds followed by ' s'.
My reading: 7 h 15 min
